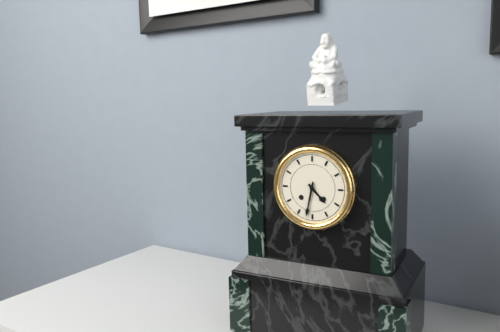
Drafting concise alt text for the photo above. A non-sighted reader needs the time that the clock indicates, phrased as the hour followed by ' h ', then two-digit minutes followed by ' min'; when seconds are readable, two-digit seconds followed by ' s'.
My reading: 4 h 32 min
